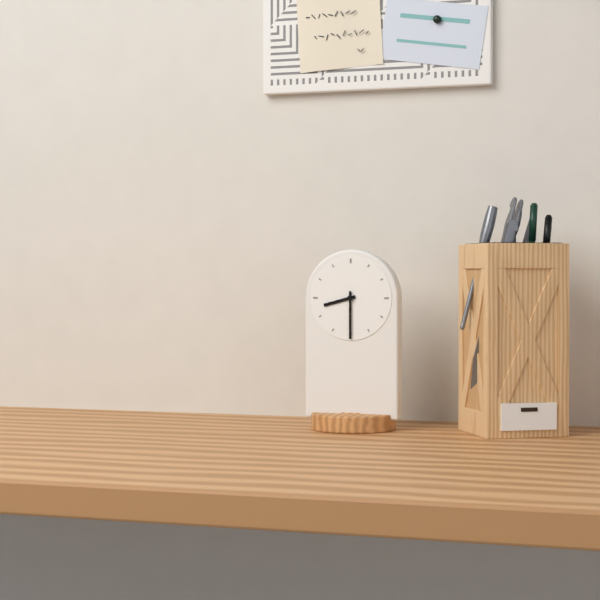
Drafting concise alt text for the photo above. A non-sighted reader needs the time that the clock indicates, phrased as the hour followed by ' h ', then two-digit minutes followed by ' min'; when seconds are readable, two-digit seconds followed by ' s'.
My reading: 8 h 30 min
